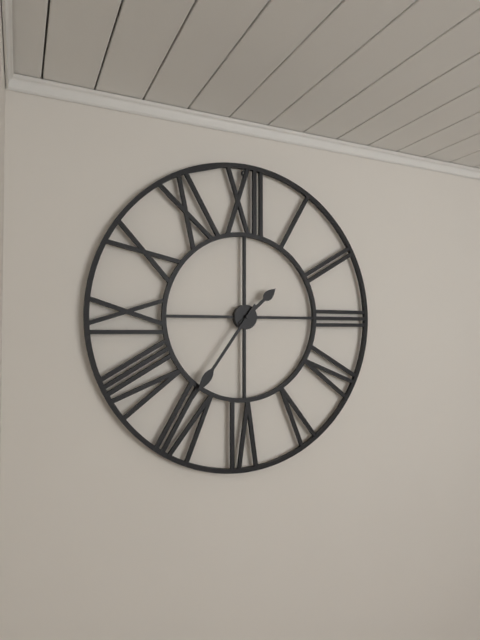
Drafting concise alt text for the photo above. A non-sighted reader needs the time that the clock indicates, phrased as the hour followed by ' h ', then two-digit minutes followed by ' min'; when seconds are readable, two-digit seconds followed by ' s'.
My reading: 1 h 36 min
